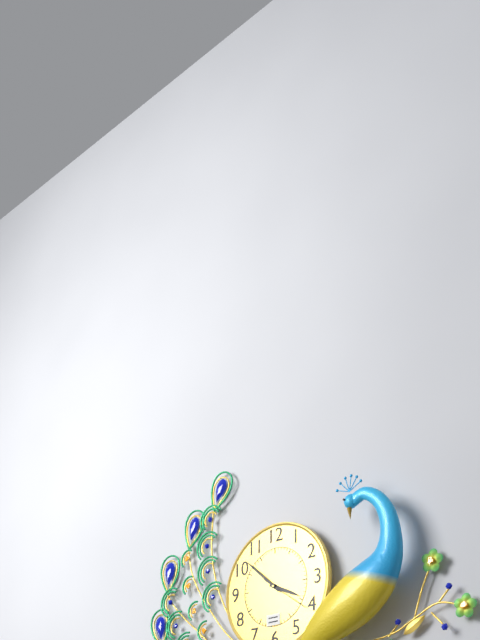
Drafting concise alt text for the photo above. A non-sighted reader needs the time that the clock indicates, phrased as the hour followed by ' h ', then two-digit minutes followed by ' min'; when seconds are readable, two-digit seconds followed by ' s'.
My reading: 3 h 52 min
